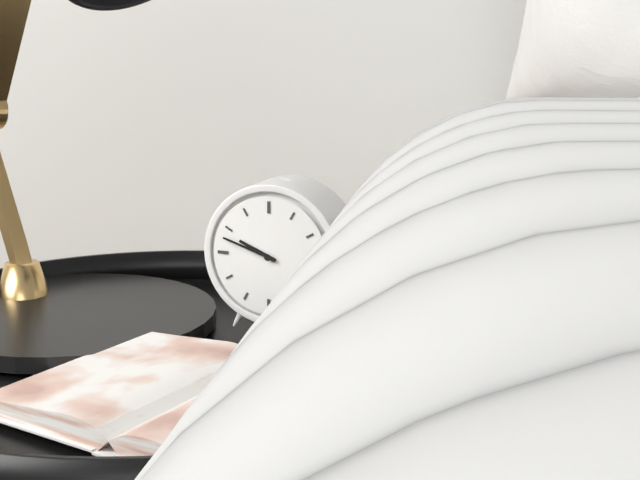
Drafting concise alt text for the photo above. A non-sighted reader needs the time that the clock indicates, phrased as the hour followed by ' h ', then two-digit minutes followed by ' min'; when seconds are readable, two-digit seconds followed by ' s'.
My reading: 9 h 48 min
